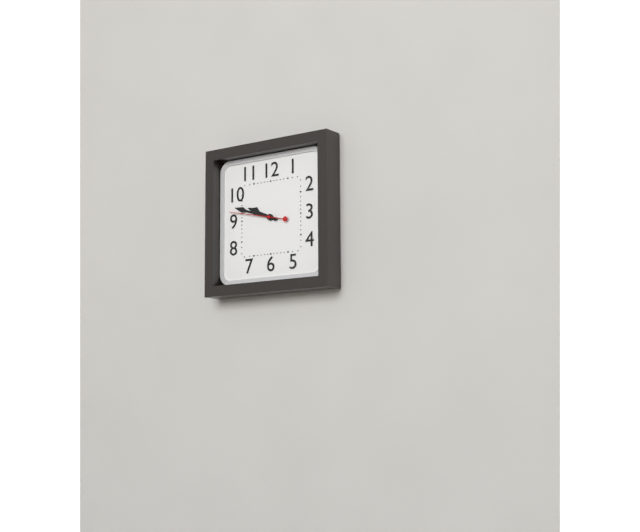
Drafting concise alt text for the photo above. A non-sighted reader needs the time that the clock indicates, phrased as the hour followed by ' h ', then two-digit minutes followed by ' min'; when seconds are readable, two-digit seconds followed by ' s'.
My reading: 9 h 48 min 47 s
